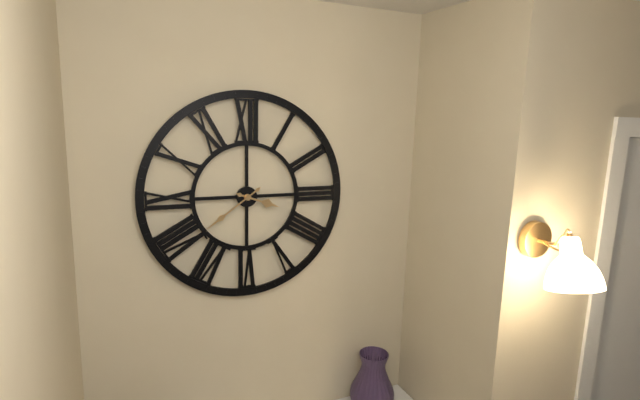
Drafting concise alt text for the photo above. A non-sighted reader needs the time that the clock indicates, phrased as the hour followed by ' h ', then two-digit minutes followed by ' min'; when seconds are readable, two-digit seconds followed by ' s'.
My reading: 3 h 39 min
